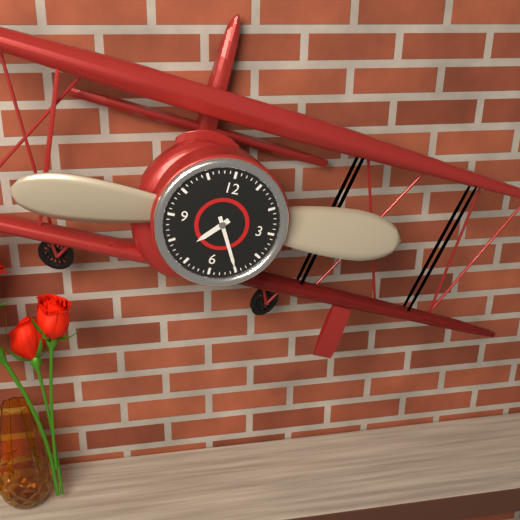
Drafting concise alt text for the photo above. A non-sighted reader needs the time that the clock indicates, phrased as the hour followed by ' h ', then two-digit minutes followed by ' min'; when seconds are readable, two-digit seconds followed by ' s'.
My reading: 7 h 25 min
